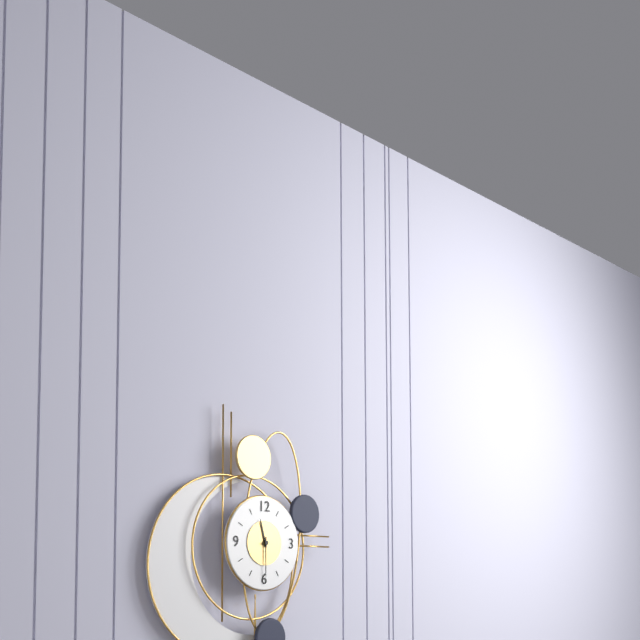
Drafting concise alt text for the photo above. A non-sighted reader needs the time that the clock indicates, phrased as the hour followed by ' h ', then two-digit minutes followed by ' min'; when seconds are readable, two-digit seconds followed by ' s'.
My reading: 11 h 30 min
